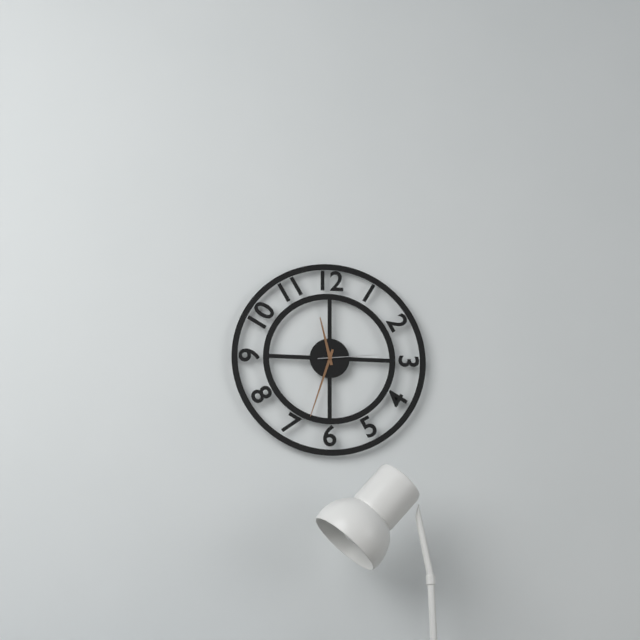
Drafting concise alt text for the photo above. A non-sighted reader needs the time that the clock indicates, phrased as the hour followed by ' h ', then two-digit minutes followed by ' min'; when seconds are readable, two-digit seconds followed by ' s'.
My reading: 11 h 33 min 14 s
